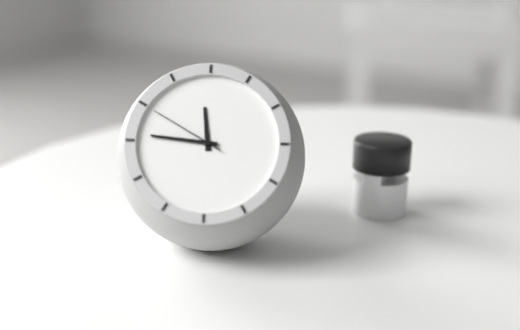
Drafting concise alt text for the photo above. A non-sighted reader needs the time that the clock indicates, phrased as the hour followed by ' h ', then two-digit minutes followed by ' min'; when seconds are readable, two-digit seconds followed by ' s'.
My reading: 11 h 46 min 50 s
